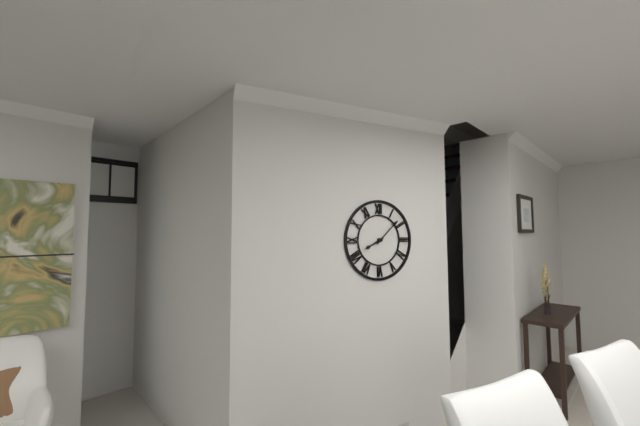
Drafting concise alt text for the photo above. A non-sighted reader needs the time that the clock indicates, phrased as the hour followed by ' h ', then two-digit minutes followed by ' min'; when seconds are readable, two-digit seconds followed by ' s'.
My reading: 8 h 08 min
